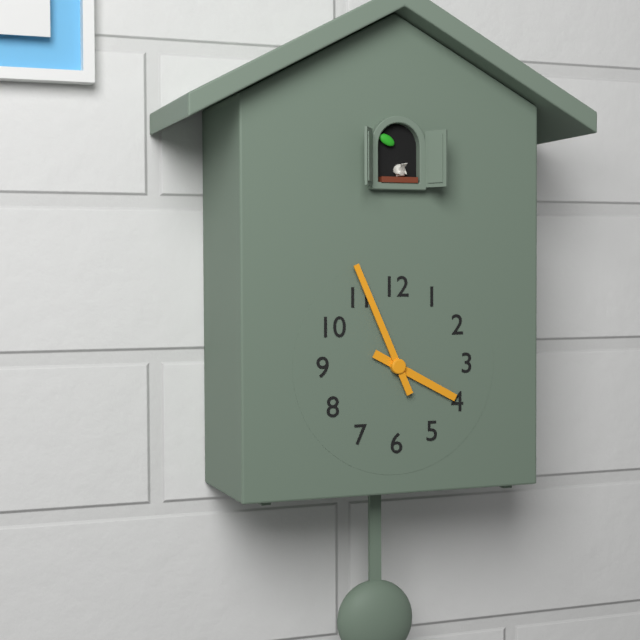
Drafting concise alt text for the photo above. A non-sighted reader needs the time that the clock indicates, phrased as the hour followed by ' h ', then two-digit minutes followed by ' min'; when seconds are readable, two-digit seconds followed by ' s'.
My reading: 3 h 56 min
